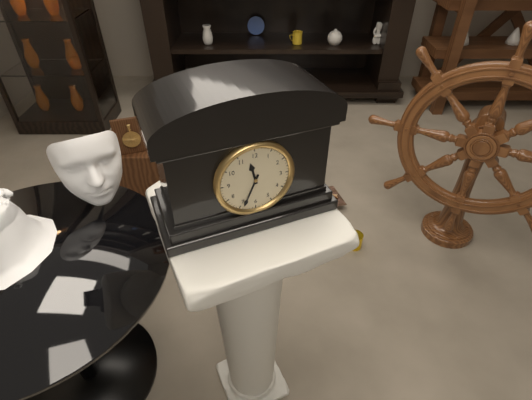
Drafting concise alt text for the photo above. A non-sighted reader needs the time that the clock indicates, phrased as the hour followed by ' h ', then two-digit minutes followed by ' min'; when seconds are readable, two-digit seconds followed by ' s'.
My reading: 11 h 34 min
